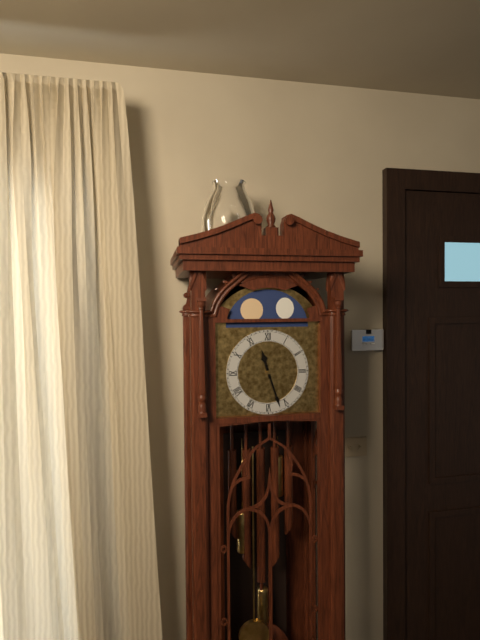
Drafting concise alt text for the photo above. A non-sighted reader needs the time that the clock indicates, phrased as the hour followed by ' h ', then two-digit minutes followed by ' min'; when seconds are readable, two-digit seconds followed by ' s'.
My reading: 11 h 27 min
